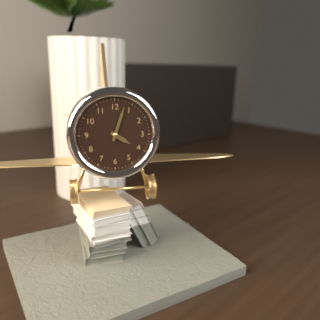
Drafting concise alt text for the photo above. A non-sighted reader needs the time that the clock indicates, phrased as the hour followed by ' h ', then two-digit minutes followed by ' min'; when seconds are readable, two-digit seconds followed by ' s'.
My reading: 4 h 03 min
